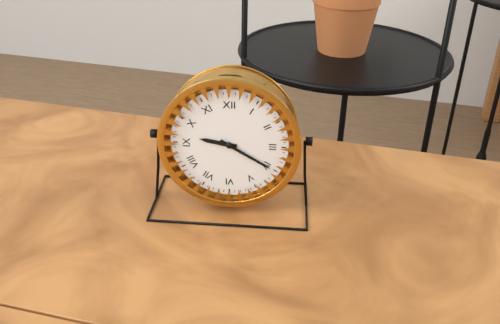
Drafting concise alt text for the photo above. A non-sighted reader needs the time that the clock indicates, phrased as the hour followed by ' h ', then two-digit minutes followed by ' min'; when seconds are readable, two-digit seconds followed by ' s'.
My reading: 9 h 20 min
